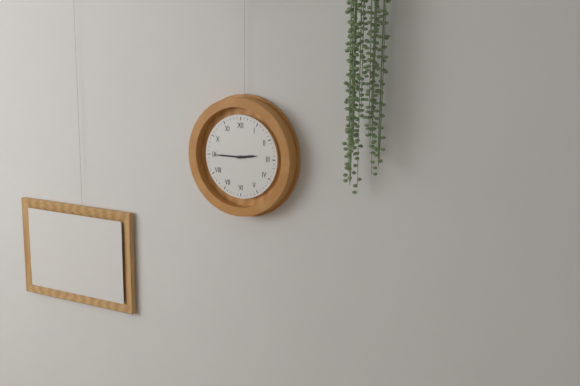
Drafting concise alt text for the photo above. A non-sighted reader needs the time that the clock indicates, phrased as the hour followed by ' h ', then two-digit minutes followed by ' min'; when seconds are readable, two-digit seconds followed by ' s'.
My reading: 2 h 45 min
